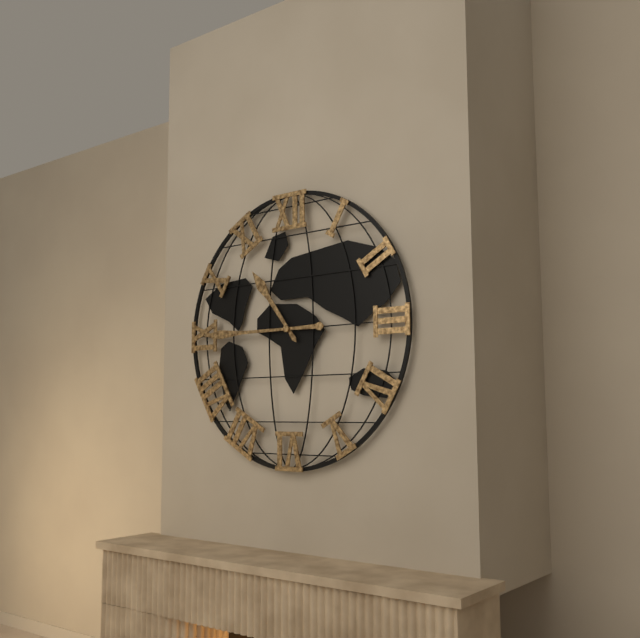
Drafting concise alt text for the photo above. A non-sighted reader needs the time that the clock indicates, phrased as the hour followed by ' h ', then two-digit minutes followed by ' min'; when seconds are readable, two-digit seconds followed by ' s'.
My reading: 10 h 45 min
